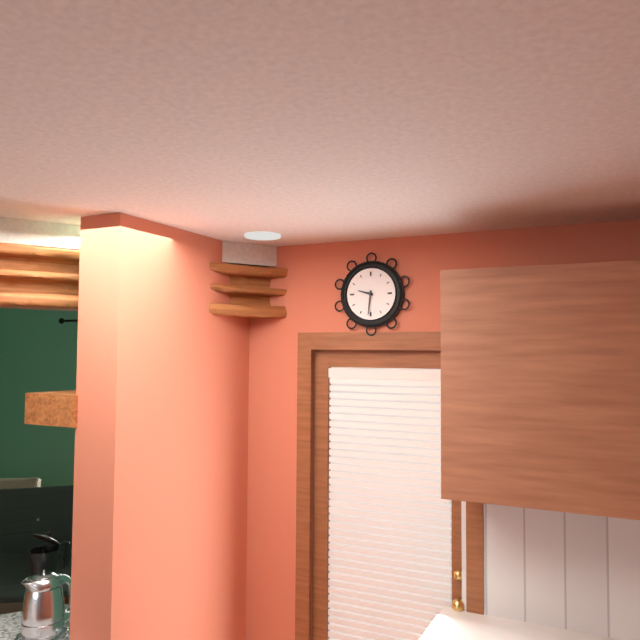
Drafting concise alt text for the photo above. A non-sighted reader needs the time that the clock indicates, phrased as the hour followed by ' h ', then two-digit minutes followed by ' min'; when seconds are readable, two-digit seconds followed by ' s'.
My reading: 9 h 31 min
